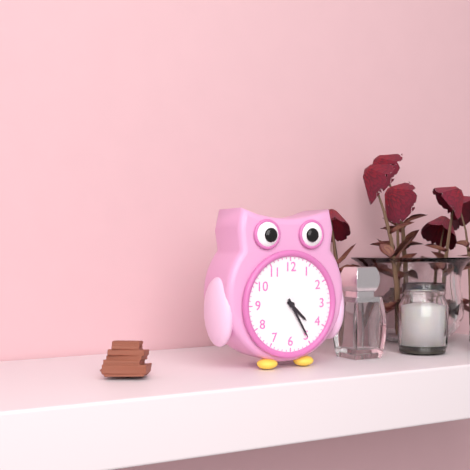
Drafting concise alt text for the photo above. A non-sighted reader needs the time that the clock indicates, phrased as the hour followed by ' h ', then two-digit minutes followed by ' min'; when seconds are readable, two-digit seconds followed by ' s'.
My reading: 4 h 25 min
